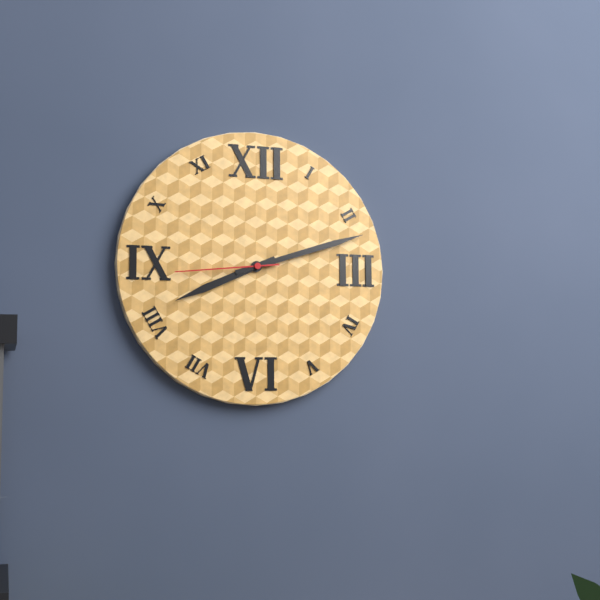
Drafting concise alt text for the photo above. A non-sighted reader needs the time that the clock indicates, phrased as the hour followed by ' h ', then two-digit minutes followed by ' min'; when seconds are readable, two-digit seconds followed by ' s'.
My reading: 8 h 12 min 44 s
